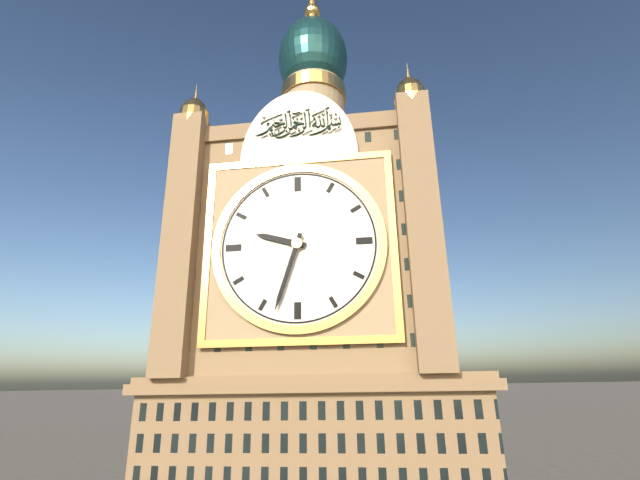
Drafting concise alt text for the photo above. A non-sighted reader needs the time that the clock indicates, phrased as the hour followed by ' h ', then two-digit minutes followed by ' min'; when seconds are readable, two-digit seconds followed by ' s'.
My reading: 9 h 33 min
